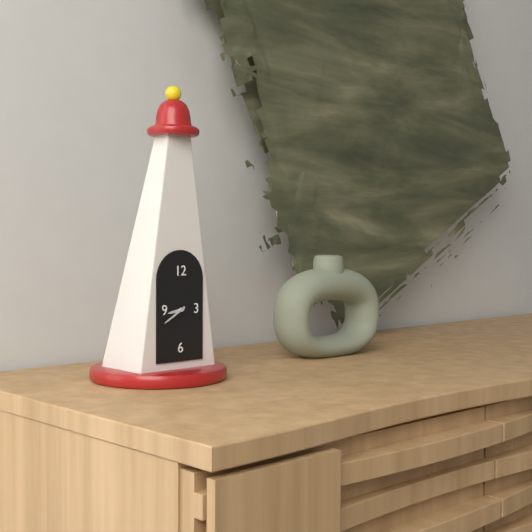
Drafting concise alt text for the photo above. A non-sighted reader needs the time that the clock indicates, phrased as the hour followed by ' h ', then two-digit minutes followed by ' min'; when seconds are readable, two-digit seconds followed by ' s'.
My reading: 8 h 40 min
